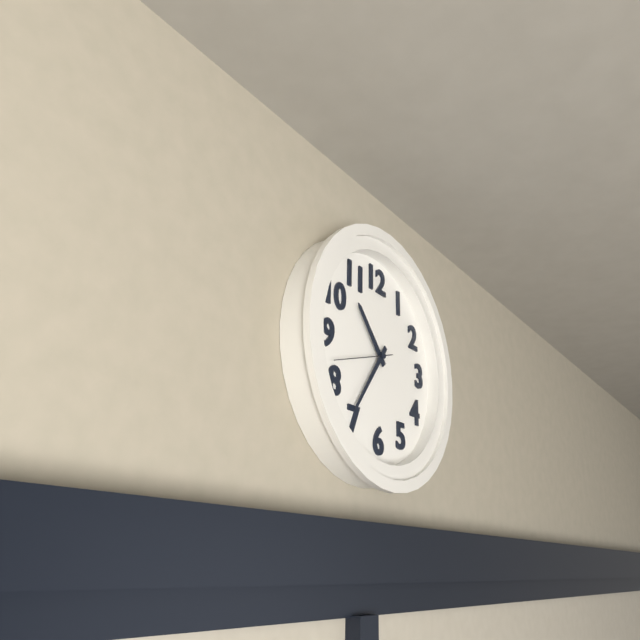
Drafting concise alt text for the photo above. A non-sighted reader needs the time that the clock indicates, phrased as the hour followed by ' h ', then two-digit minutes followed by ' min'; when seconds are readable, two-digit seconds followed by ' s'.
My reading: 10 h 36 min 42 s
